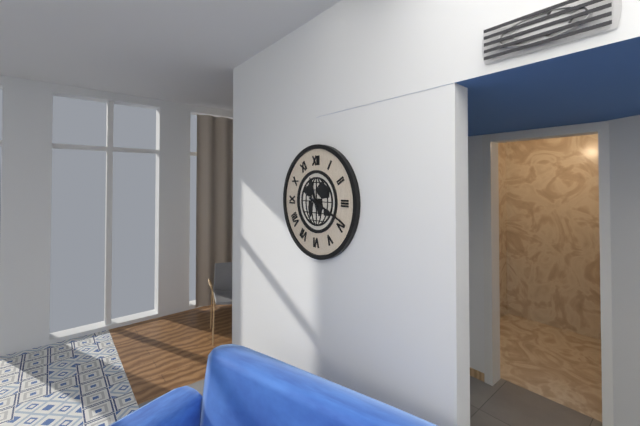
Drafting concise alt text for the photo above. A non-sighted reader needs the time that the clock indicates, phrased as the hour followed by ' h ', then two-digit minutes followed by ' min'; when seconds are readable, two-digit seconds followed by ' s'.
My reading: 11 h 19 min
